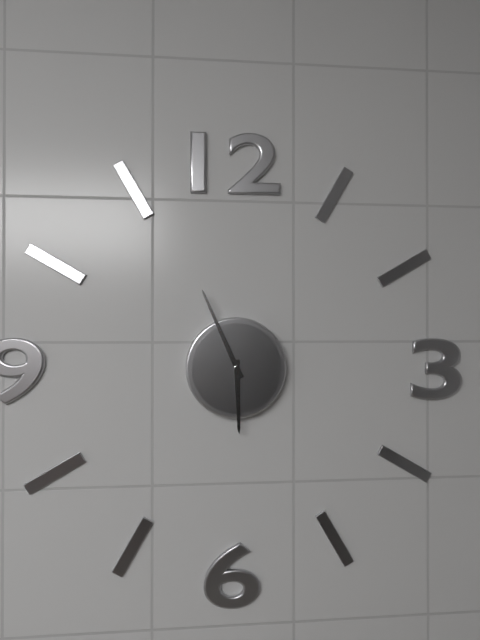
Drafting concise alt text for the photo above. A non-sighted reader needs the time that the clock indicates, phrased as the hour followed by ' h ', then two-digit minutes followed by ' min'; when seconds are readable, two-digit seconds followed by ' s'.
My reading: 5 h 56 min
